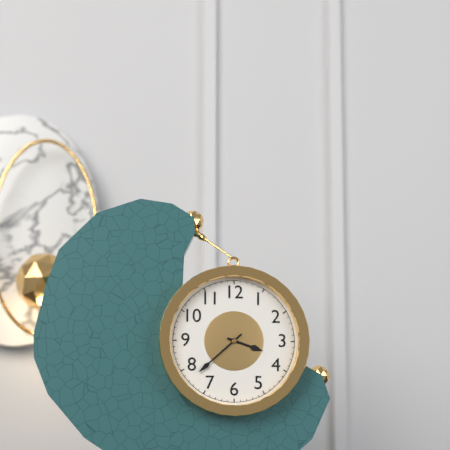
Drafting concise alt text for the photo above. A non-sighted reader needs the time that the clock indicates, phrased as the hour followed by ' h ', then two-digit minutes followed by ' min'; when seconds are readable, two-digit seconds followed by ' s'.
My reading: 3 h 38 min
